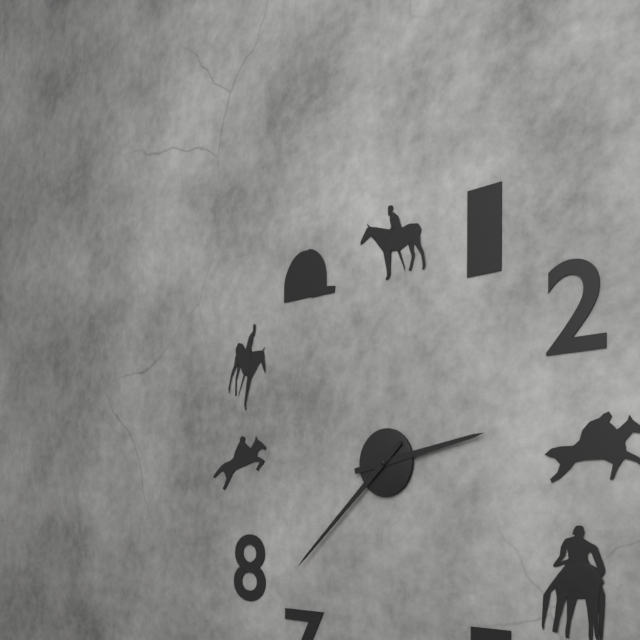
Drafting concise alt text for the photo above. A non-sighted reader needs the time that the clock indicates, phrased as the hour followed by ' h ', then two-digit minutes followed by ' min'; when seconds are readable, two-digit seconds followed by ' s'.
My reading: 2 h 38 min
